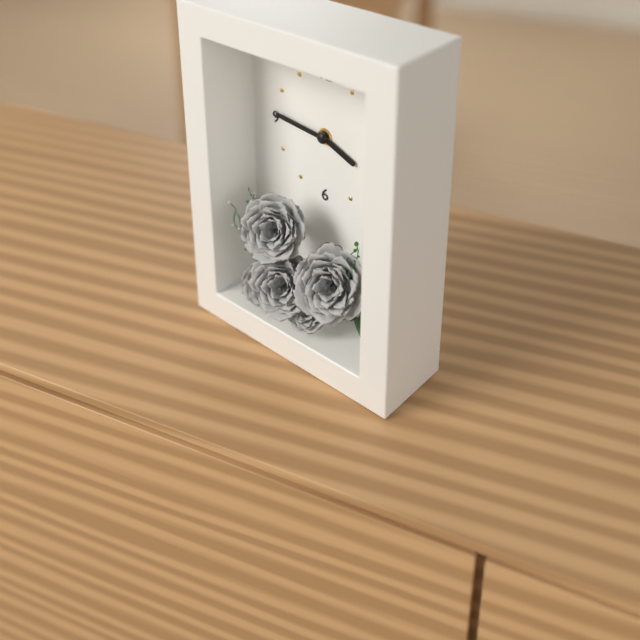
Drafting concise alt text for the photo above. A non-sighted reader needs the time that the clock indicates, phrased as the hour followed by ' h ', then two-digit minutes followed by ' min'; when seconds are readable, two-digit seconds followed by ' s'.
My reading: 3 h 46 min
